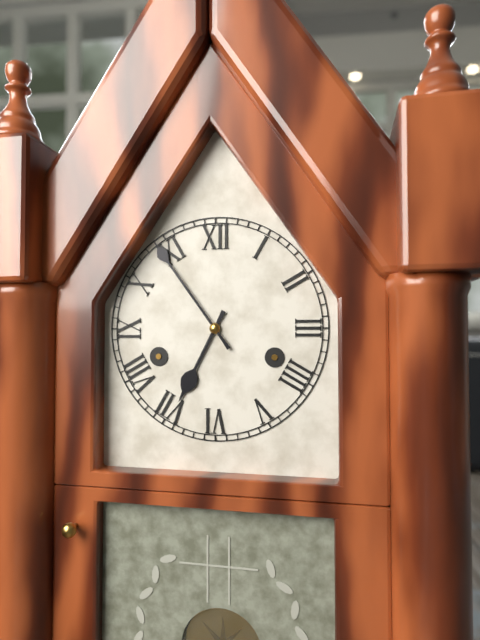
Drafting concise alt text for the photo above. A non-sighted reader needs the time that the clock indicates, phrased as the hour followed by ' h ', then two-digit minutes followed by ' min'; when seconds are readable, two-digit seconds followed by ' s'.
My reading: 6 h 54 min
